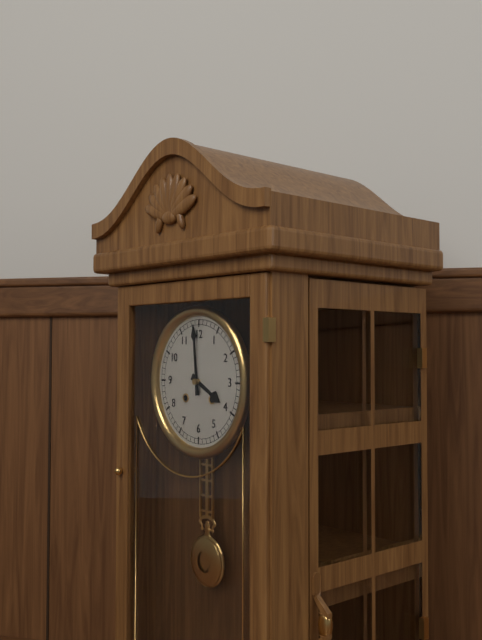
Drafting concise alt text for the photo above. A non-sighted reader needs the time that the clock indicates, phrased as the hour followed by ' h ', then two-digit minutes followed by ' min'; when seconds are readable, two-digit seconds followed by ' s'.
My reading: 3 h 59 min
